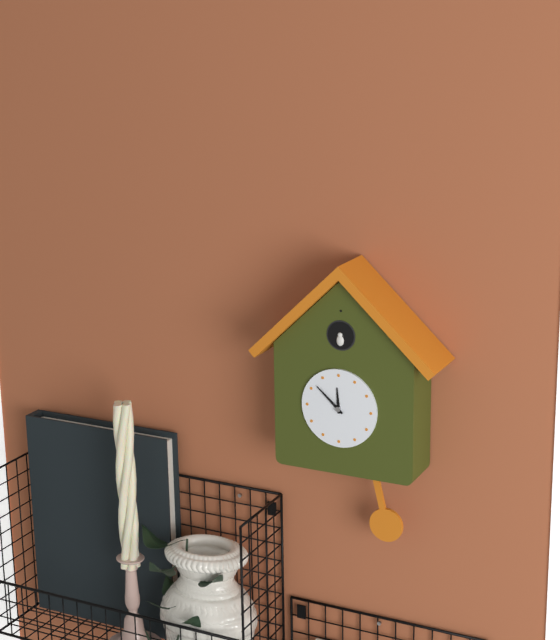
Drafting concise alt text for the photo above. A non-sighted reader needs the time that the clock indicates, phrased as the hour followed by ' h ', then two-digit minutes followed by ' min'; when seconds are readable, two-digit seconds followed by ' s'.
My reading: 11 h 52 min
